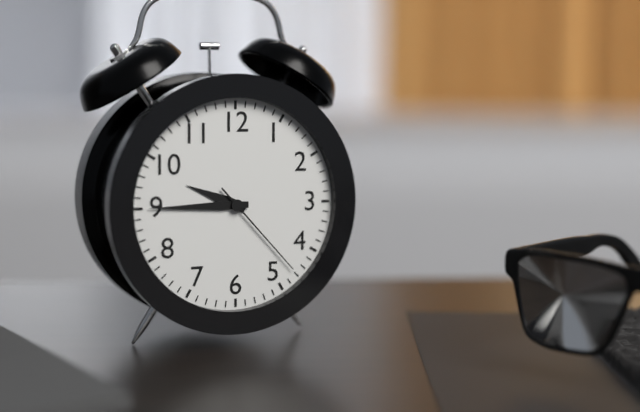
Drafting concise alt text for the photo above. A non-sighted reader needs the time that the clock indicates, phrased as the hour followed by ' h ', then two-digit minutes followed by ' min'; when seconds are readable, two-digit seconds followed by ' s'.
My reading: 9 h 45 min 23 s
